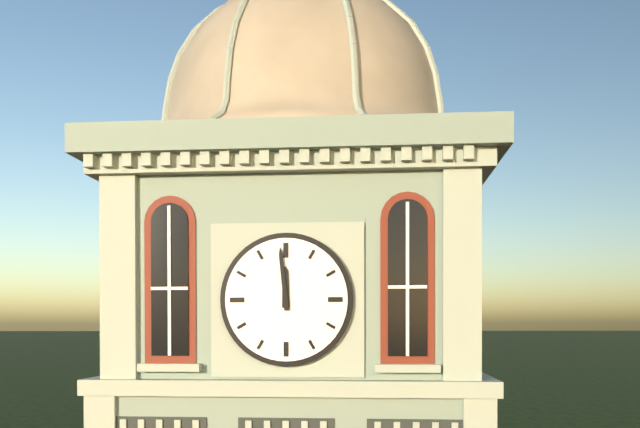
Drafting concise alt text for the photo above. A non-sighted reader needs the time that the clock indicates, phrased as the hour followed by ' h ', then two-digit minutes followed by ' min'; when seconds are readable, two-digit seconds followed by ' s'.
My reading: 11 h 59 min
